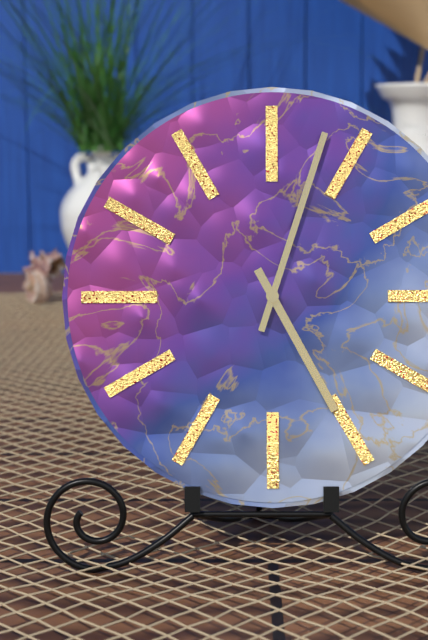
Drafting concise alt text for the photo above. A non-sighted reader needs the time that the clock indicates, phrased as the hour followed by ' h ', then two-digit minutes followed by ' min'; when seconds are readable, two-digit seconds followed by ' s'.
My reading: 5 h 03 min
